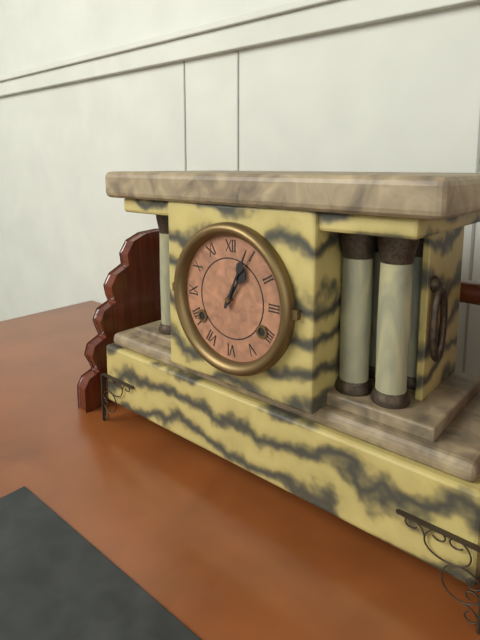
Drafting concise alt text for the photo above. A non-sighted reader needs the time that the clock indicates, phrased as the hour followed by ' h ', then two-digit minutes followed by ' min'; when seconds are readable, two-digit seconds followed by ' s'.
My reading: 1 h 04 min
